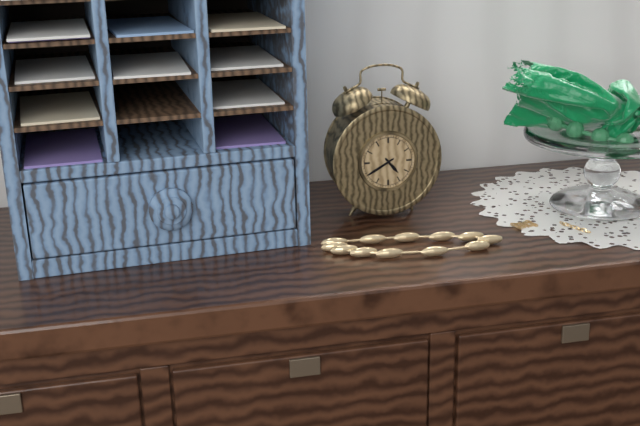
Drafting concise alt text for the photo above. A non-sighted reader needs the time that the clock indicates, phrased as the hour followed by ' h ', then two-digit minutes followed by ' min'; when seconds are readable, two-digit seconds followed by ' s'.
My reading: 4 h 40 min
